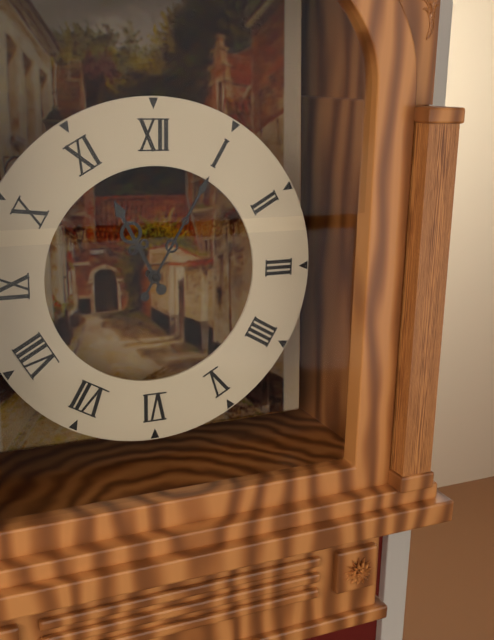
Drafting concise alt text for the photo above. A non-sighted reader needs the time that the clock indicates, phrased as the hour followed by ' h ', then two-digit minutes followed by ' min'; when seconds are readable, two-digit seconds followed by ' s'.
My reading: 11 h 05 min
